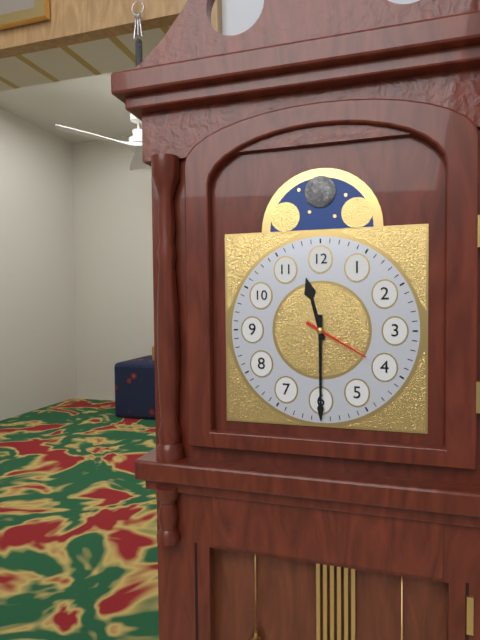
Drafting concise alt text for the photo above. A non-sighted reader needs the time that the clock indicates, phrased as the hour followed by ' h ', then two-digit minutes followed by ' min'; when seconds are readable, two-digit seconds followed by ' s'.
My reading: 11 h 30 min 20 s
